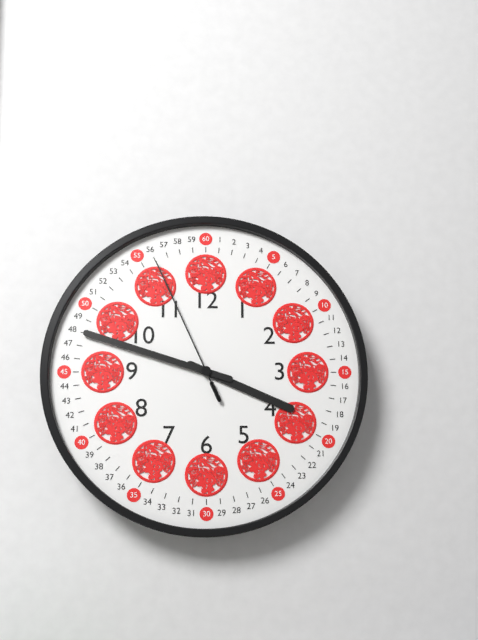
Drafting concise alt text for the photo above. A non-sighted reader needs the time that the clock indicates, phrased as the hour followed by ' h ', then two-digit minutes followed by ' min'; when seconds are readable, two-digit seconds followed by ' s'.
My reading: 3 h 48 min 56 s
